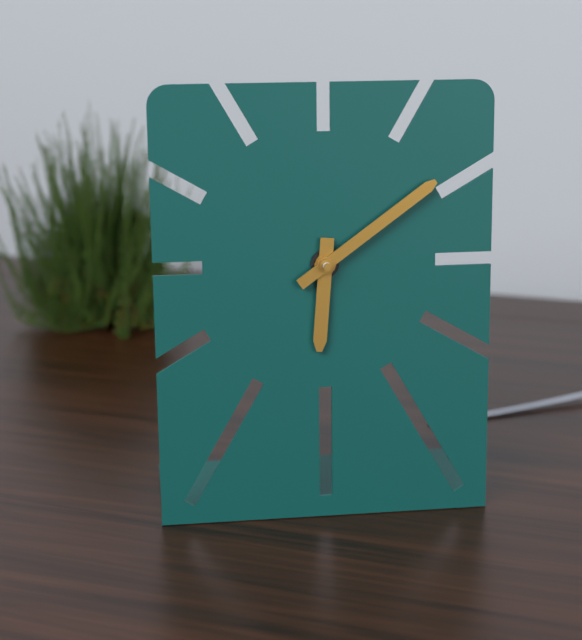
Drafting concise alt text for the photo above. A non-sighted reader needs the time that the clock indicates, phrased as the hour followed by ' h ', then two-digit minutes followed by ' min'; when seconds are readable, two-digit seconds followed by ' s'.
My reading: 6 h 09 min
